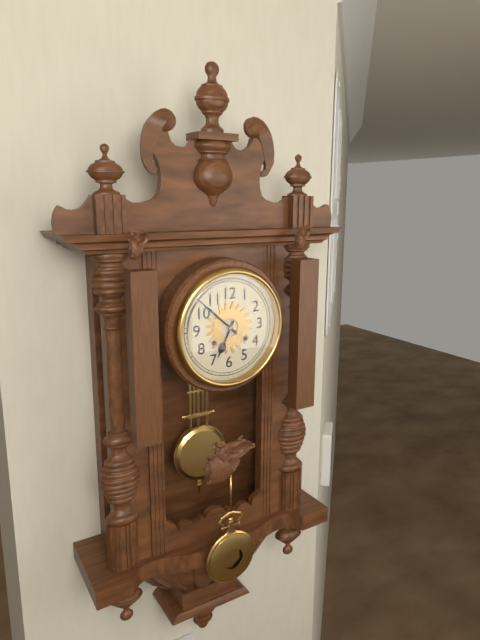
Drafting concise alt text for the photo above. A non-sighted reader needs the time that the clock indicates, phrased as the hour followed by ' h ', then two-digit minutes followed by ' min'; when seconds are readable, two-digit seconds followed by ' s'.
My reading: 6 h 52 min
